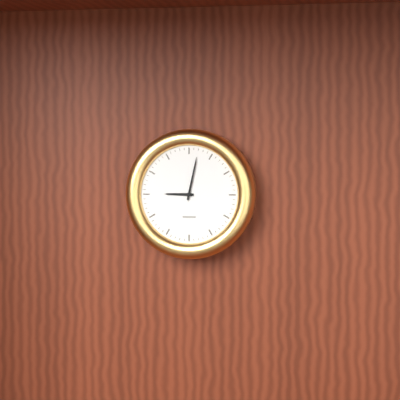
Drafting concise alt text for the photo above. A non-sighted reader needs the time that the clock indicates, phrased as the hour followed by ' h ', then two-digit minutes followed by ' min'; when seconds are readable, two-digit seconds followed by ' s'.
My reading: 9 h 02 min
